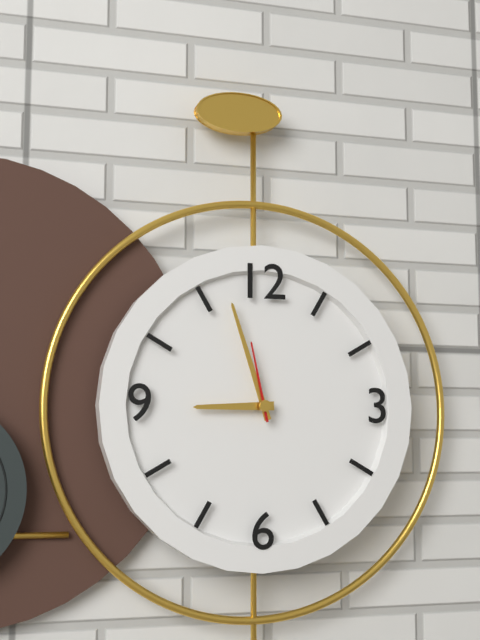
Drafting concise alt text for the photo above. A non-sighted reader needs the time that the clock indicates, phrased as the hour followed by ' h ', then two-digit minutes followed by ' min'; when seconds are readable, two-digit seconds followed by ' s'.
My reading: 8 h 57 min 58 s
